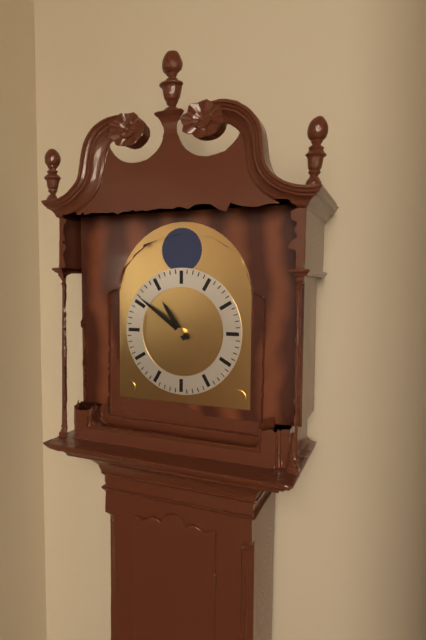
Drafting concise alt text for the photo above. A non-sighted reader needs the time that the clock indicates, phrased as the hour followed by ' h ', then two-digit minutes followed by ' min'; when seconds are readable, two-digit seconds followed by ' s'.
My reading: 10 h 51 min
